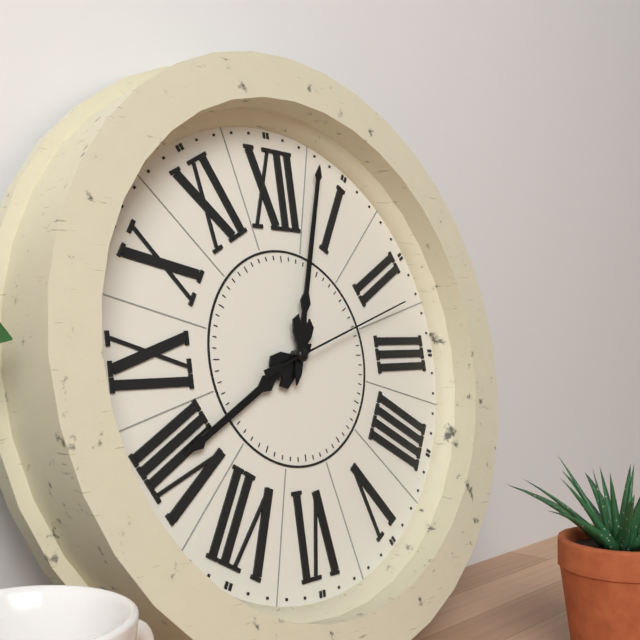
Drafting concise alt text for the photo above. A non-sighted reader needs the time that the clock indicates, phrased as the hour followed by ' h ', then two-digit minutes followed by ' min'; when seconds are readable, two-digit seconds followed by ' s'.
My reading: 8 h 03 min 12 s
